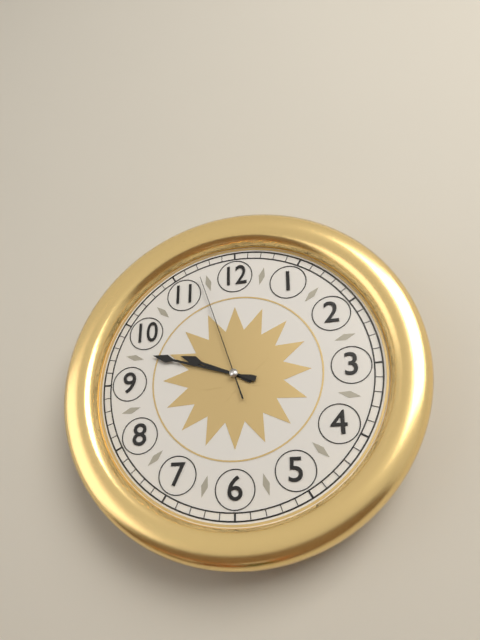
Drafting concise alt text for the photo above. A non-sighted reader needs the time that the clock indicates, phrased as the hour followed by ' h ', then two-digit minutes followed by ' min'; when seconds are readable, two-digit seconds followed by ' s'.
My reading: 9 h 48 min 57 s
